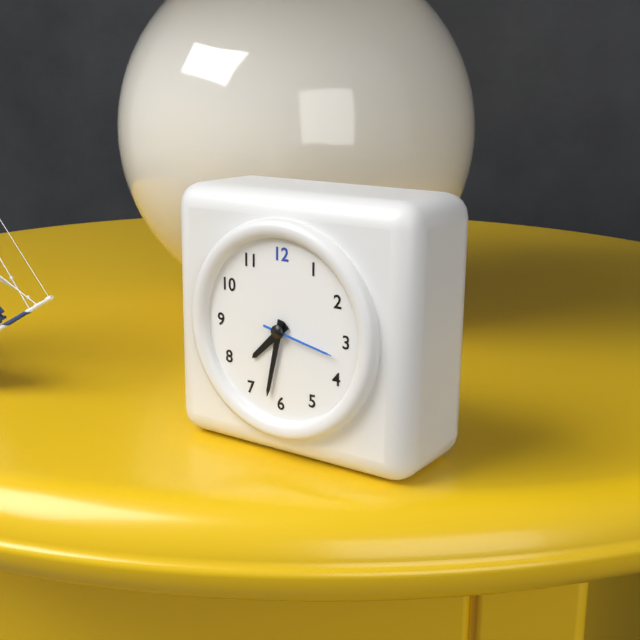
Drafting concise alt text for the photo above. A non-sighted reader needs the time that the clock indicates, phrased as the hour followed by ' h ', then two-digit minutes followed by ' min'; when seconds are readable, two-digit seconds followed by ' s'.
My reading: 7 h 32 min 17 s
